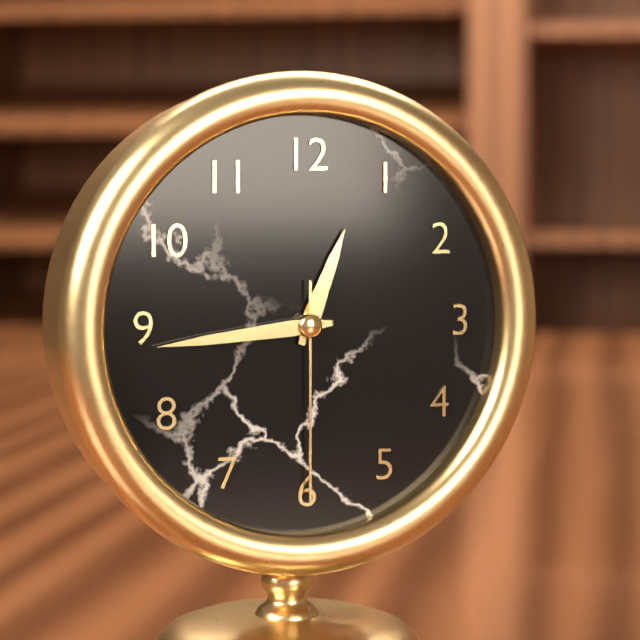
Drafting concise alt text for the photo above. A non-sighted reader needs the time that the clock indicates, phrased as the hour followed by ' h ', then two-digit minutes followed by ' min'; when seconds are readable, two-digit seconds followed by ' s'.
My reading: 12 h 44 min 30 s
